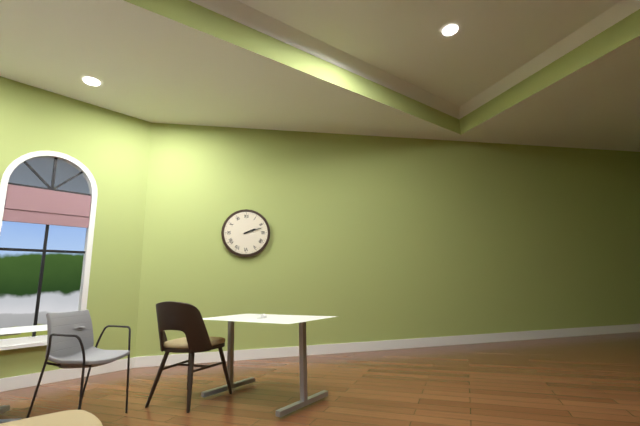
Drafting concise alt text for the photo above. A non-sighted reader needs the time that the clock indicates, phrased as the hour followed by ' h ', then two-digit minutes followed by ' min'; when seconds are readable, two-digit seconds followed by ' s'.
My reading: 2 h 12 min
